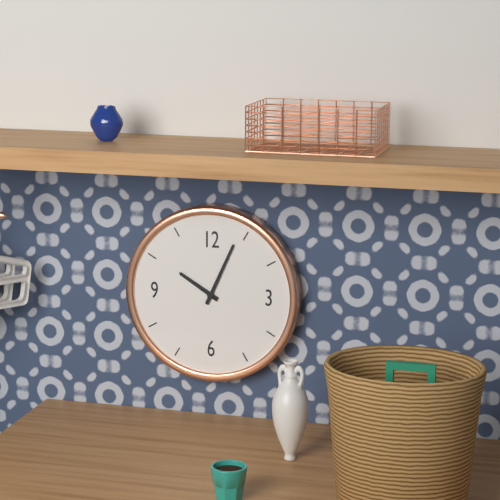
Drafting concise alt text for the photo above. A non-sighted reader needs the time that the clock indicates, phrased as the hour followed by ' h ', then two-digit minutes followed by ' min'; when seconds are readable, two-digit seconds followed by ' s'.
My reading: 10 h 04 min
